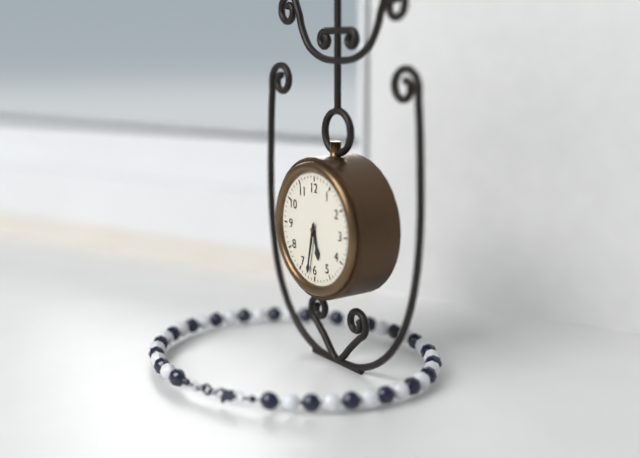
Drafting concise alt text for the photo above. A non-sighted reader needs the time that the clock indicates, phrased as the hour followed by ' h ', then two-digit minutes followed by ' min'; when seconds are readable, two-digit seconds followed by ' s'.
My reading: 5 h 32 min
